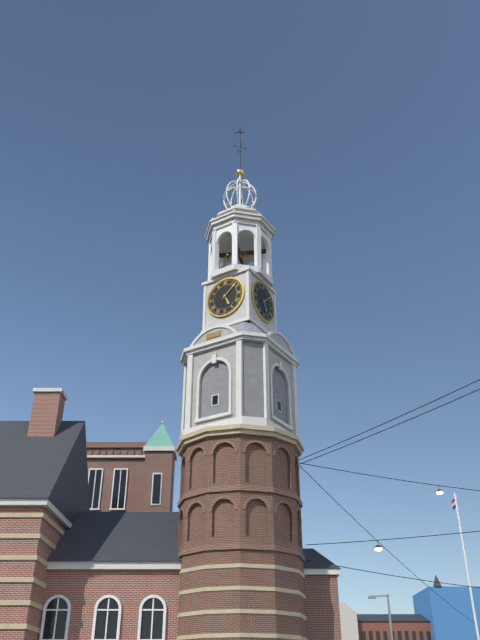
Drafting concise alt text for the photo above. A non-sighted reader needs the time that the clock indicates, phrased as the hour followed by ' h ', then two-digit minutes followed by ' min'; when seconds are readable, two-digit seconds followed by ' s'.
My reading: 5 h 08 min
